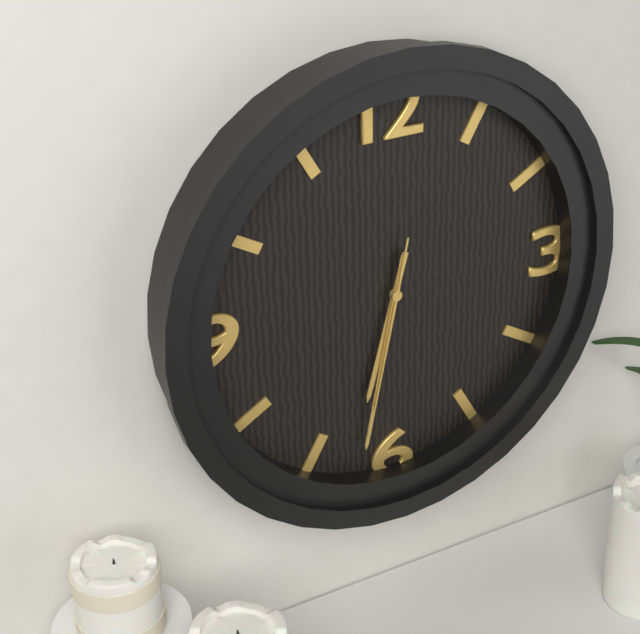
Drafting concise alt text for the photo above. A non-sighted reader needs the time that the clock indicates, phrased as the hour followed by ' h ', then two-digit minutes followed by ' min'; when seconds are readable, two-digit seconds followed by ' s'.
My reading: 6 h 32 min 32 s
